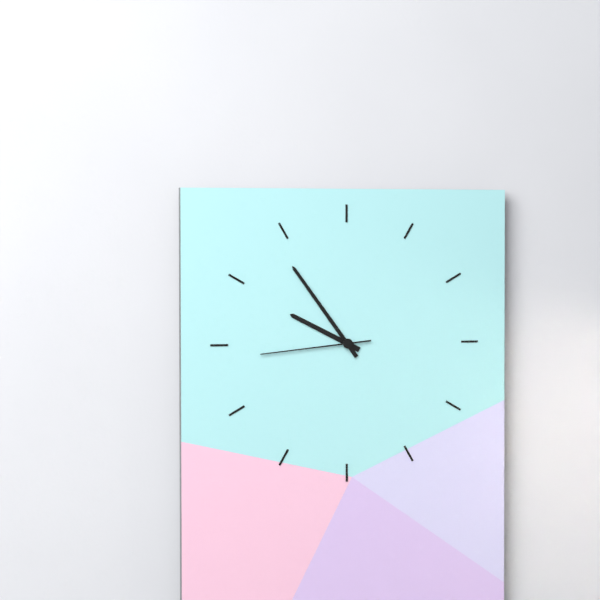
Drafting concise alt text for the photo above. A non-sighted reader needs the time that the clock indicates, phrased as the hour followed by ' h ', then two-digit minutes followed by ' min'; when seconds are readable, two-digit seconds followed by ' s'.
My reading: 9 h 54 min 44 s
